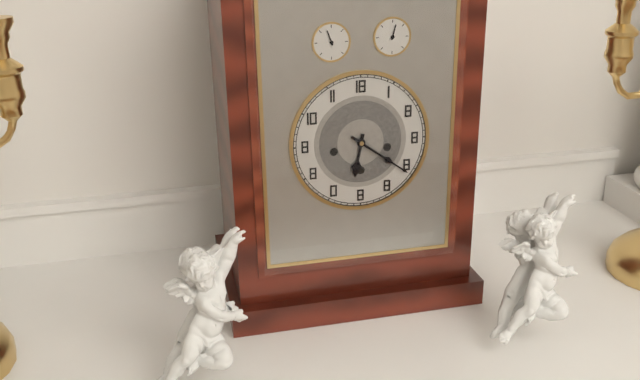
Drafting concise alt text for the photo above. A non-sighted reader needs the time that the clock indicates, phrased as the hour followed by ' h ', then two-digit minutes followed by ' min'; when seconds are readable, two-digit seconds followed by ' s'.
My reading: 6 h 21 min
